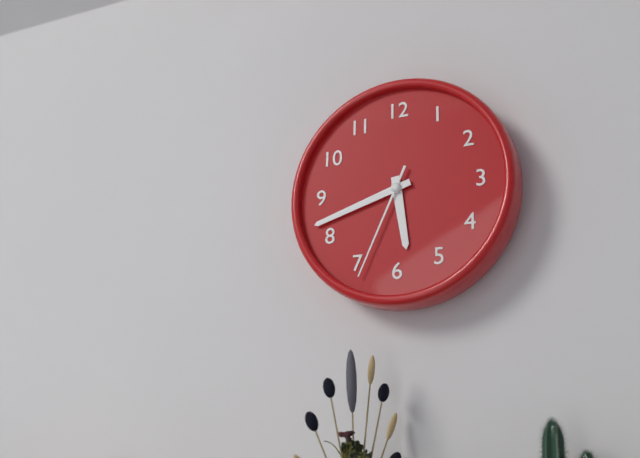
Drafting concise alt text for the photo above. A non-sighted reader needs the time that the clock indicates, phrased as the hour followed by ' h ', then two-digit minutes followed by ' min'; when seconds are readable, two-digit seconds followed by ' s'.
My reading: 5 h 42 min 34 s
